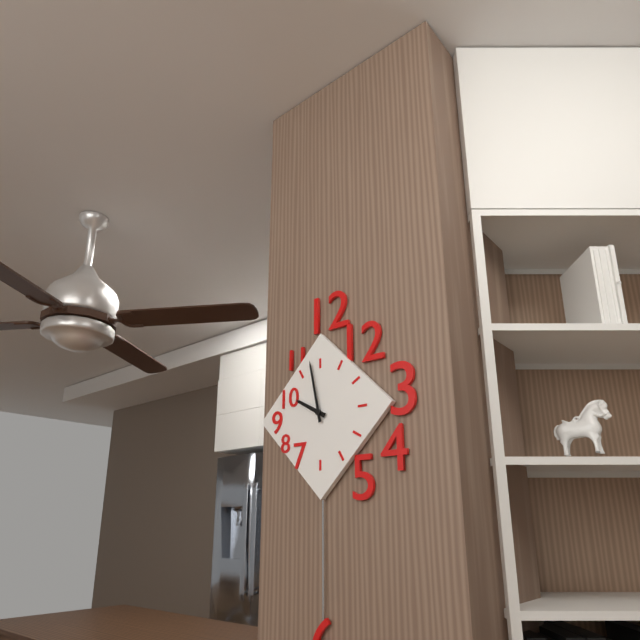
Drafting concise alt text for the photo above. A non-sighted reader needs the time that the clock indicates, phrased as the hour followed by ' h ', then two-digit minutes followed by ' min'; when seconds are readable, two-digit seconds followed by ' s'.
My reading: 9 h 58 min
